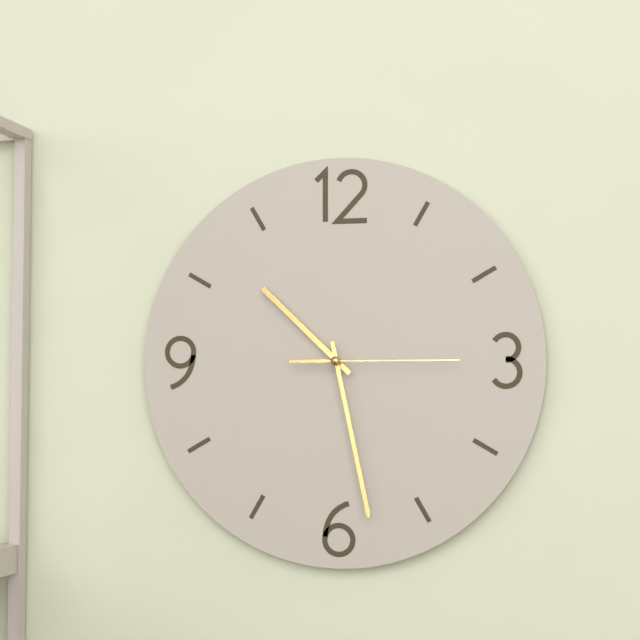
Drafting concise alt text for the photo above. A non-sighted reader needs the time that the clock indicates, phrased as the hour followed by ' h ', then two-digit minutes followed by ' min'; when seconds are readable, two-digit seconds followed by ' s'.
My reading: 10 h 28 min 15 s
